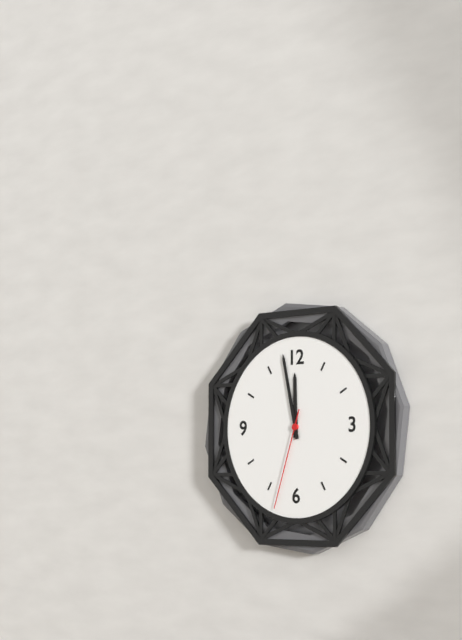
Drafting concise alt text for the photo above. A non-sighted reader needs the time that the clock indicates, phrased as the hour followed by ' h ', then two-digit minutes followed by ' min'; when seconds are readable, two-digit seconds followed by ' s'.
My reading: 11 h 58 min 33 s
